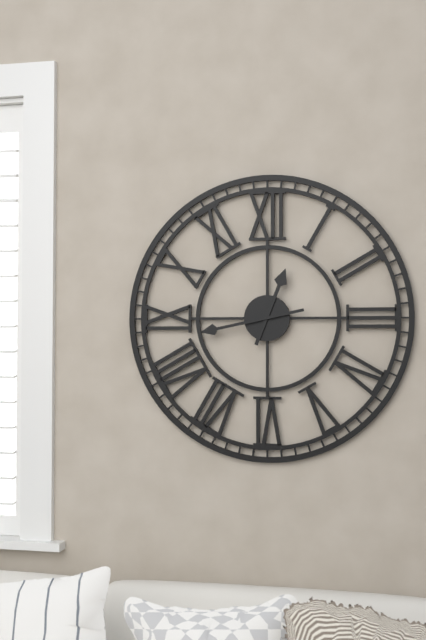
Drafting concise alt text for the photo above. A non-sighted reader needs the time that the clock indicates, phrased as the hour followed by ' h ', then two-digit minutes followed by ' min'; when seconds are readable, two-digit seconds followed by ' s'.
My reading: 12 h 43 min
